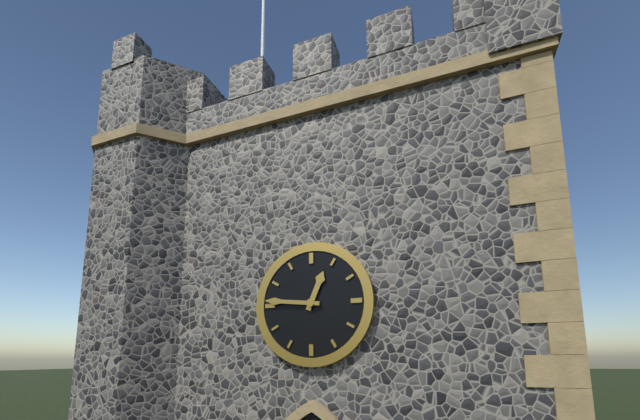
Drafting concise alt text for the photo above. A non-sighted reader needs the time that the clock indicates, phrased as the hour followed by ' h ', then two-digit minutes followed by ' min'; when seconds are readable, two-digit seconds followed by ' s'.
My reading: 12 h 46 min
